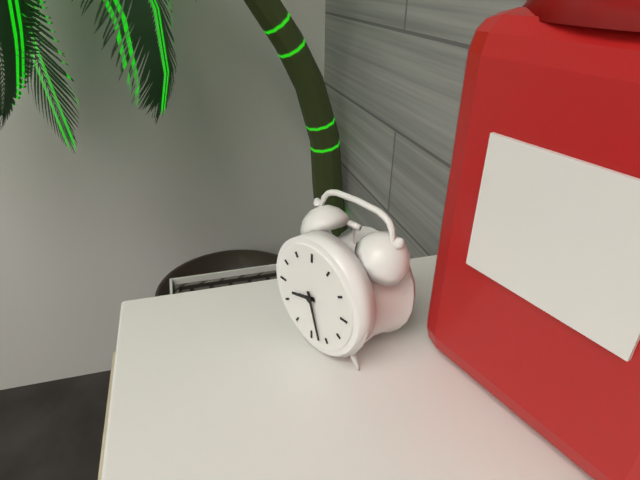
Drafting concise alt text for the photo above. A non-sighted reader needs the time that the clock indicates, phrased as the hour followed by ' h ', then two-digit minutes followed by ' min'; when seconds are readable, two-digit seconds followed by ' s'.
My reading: 8 h 27 min
